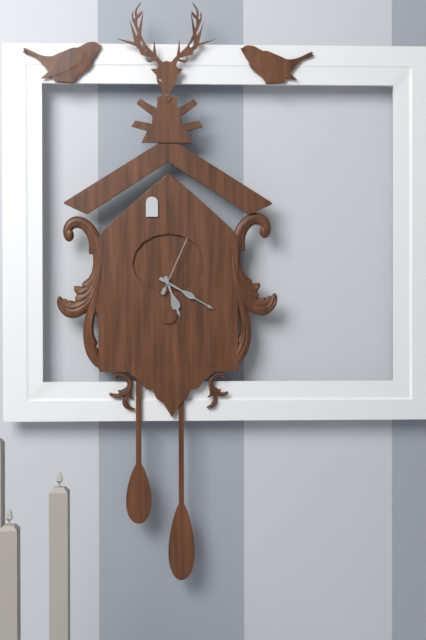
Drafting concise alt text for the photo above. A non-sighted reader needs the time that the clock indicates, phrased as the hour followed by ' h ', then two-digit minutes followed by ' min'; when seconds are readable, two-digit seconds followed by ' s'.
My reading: 5 h 20 min 04 s
